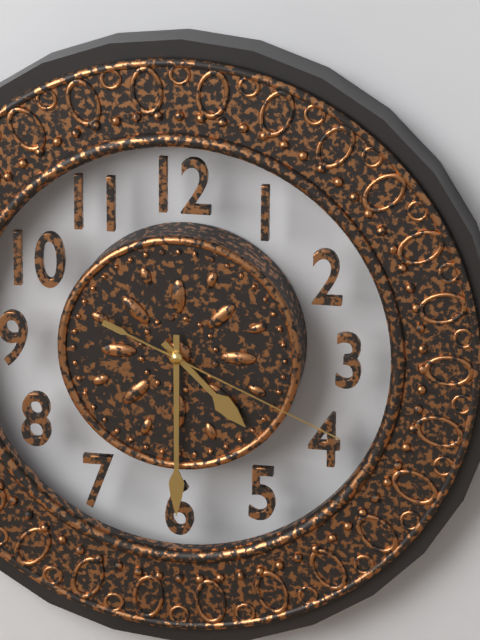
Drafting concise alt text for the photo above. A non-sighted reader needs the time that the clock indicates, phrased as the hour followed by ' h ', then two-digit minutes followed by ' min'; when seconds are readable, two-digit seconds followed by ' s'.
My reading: 4 h 30 min 19 s
